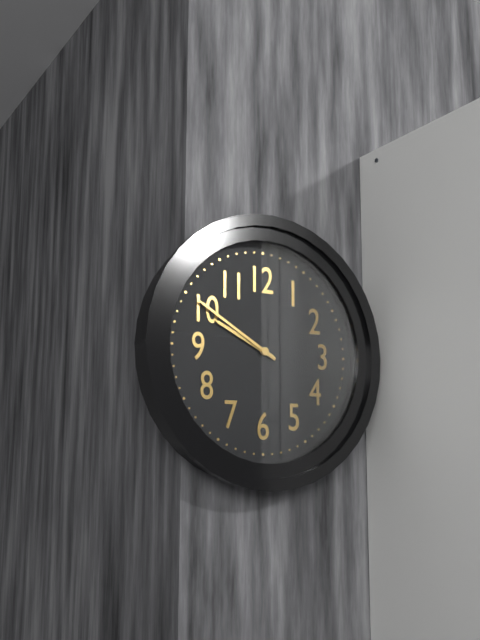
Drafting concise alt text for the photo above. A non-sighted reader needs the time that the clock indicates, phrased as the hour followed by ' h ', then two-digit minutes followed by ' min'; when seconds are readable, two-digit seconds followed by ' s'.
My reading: 9 h 50 min
